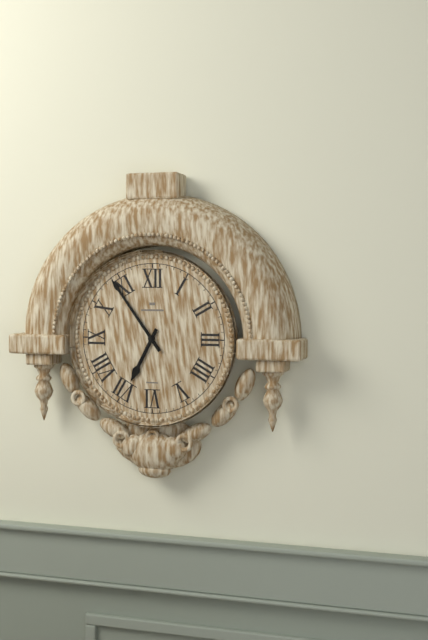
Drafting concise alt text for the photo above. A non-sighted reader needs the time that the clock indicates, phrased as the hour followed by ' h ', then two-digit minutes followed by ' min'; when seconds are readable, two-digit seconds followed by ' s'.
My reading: 6 h 54 min
